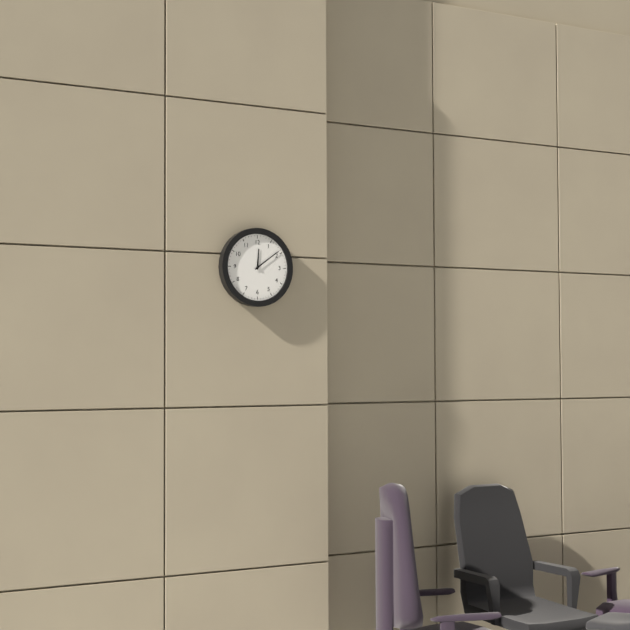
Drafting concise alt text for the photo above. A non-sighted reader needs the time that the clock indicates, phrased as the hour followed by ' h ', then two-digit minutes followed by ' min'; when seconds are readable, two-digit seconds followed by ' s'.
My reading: 12 h 09 min
